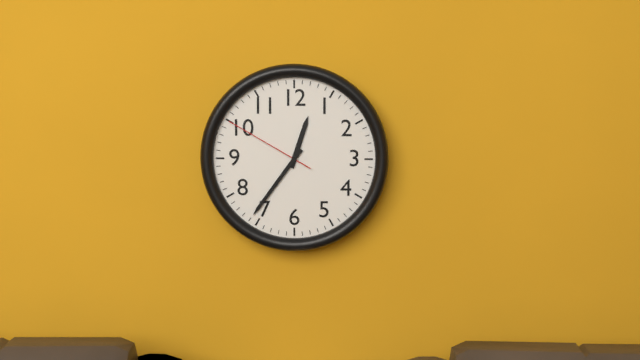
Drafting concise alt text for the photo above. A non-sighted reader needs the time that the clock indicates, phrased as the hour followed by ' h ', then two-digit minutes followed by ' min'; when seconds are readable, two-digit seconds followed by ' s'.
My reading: 12 h 36 min 50 s
